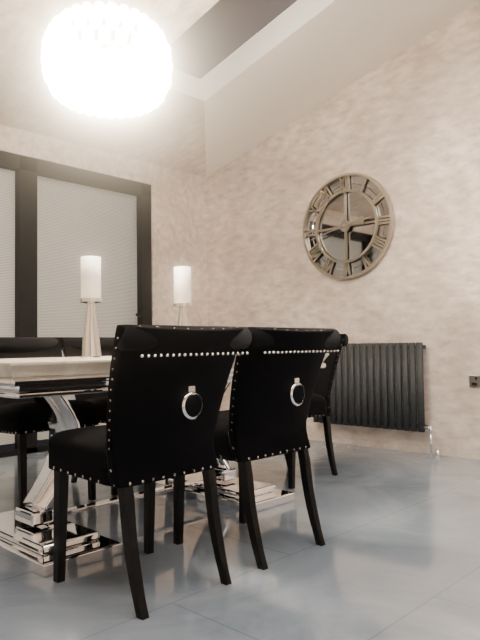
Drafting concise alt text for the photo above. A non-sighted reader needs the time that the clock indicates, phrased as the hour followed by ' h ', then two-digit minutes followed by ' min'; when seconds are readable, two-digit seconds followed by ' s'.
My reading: 2 h 43 min
